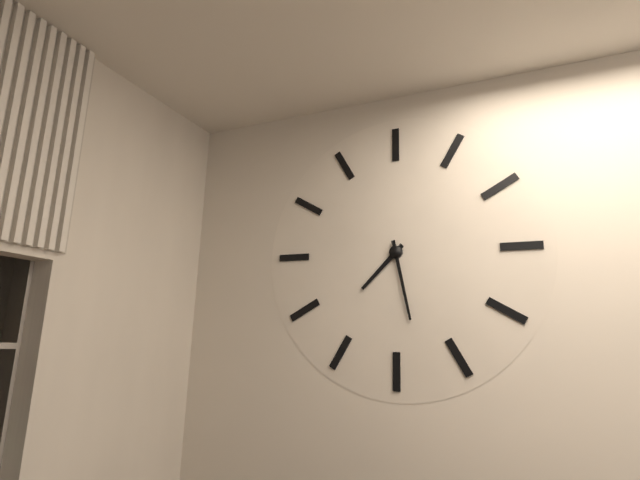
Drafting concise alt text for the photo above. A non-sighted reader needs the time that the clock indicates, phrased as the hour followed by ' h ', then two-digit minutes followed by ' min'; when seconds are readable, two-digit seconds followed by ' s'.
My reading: 7 h 28 min
